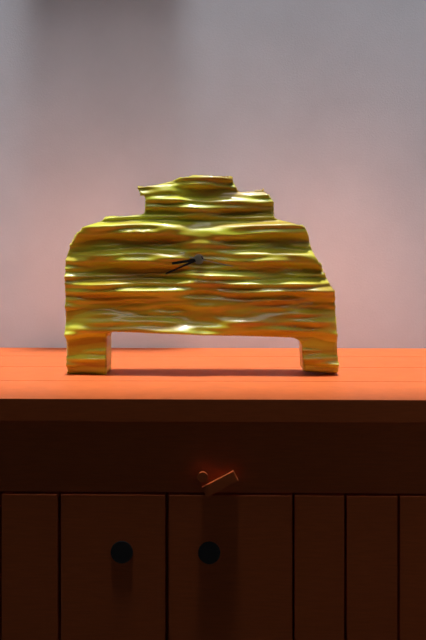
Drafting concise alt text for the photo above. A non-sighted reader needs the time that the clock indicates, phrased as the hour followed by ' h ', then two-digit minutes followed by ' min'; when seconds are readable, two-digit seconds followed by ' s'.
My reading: 8 h 41 min
